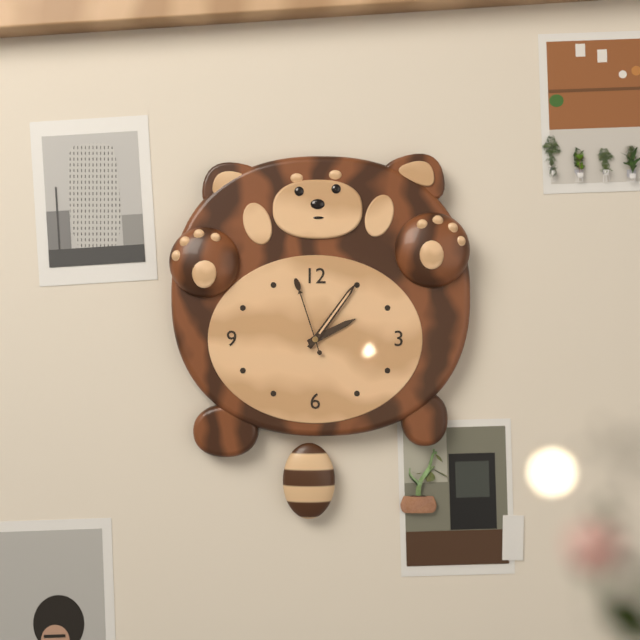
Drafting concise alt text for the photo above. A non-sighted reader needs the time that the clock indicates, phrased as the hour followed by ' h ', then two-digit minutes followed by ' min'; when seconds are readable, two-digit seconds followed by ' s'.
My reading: 2 h 06 min 57 s
